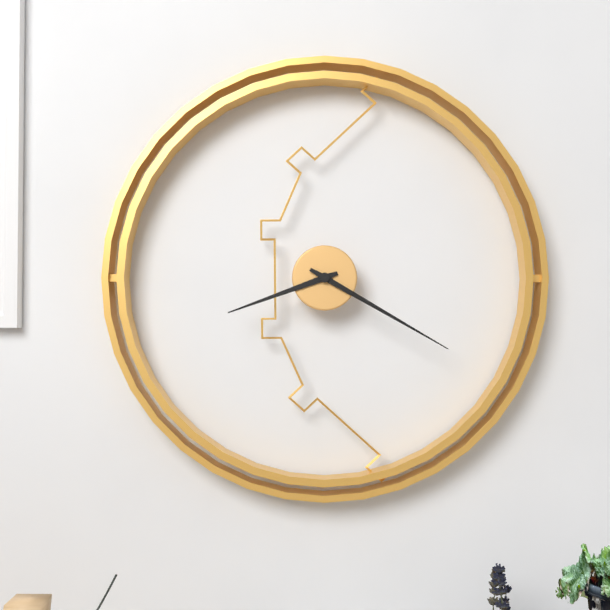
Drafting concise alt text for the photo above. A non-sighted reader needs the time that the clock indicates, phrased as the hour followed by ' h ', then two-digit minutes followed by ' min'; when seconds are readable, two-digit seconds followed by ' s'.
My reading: 8 h 20 min
